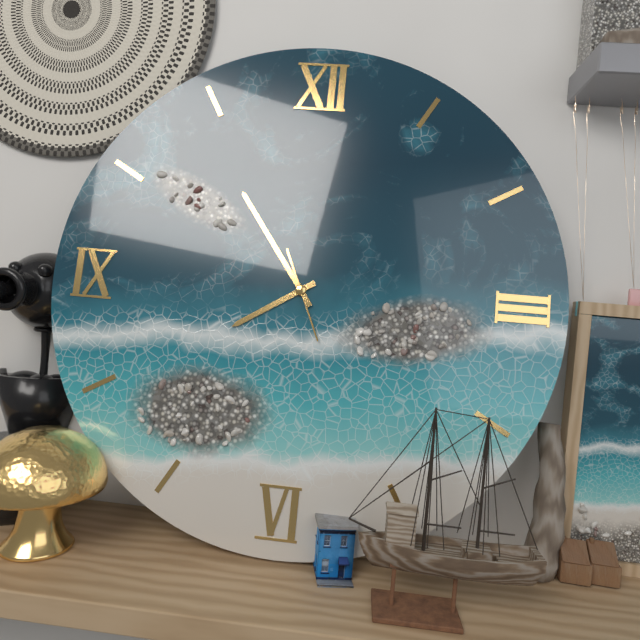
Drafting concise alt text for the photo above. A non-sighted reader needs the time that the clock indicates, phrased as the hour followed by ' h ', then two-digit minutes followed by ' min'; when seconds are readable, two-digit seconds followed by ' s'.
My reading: 7 h 54 min 26 s
